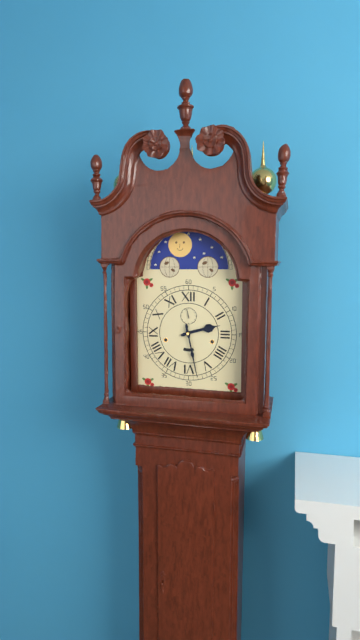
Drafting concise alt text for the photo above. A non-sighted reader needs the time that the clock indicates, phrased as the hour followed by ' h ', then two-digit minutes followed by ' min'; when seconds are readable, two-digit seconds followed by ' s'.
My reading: 2 h 28 min
